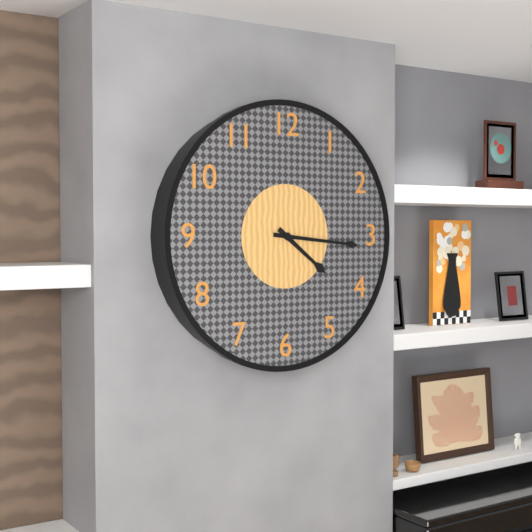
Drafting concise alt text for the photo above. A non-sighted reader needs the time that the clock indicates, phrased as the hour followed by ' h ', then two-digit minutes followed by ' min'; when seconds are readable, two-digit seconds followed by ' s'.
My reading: 4 h 16 min
